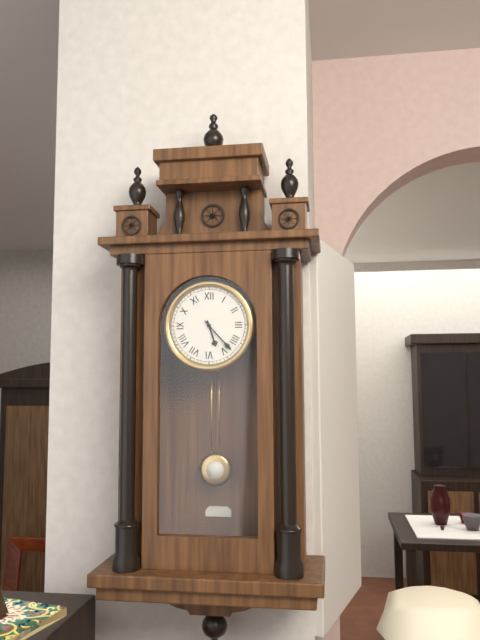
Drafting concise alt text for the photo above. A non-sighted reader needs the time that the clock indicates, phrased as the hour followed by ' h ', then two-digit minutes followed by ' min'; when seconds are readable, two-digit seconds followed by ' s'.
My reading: 5 h 23 min
